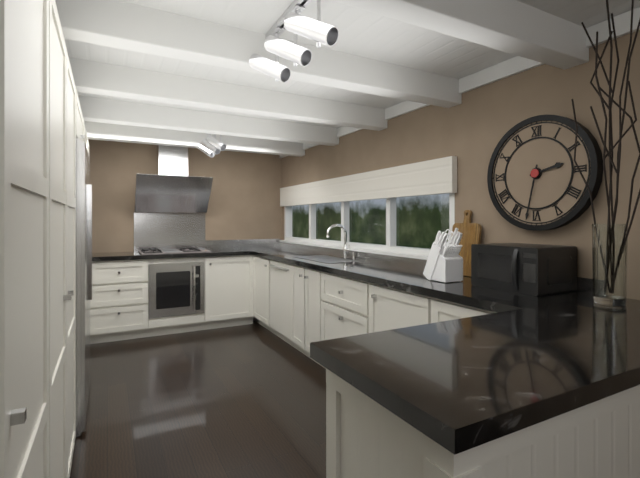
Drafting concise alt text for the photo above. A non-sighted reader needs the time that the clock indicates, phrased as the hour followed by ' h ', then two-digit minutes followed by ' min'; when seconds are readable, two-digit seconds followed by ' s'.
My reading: 2 h 32 min
